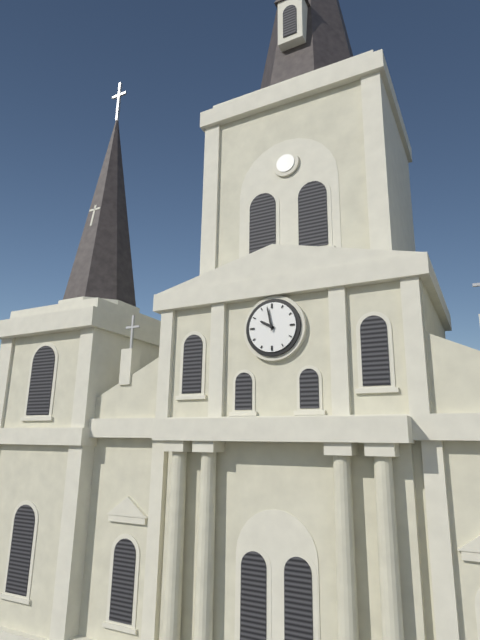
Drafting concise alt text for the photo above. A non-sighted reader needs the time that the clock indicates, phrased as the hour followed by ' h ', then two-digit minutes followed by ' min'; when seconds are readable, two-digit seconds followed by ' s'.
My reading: 9 h 58 min
